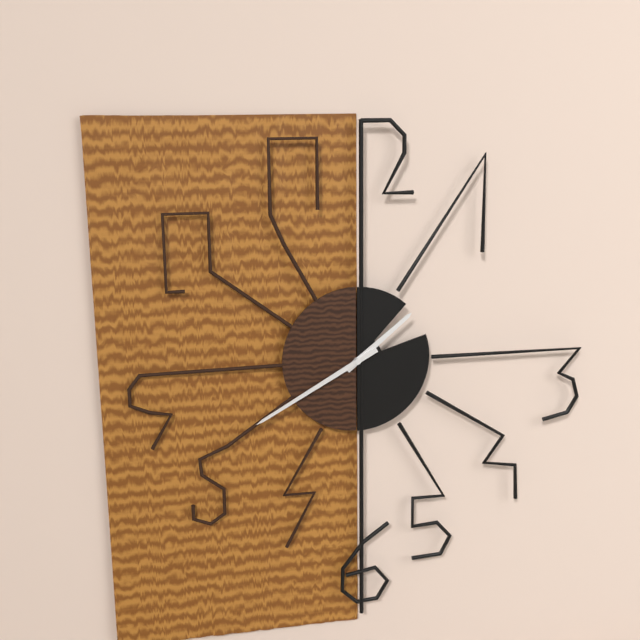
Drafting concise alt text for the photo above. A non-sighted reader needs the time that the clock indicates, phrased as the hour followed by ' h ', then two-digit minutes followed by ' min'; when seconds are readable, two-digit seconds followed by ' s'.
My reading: 1 h 40 min
